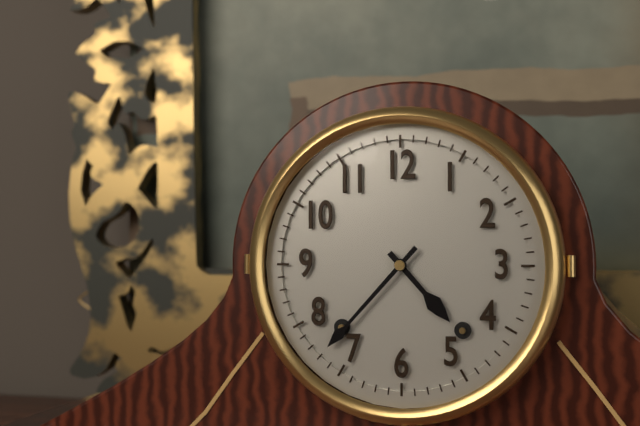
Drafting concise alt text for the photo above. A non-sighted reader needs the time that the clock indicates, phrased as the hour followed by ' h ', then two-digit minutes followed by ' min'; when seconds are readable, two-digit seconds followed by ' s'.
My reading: 4 h 37 min
